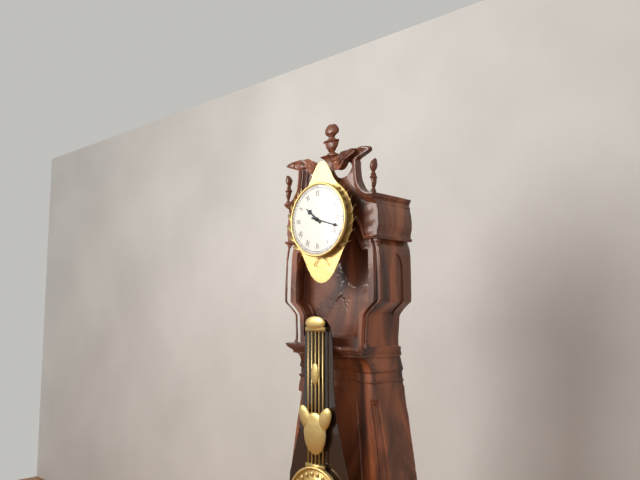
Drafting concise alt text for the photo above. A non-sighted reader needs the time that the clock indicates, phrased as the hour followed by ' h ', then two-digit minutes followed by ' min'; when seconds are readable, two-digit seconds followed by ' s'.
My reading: 10 h 18 min
